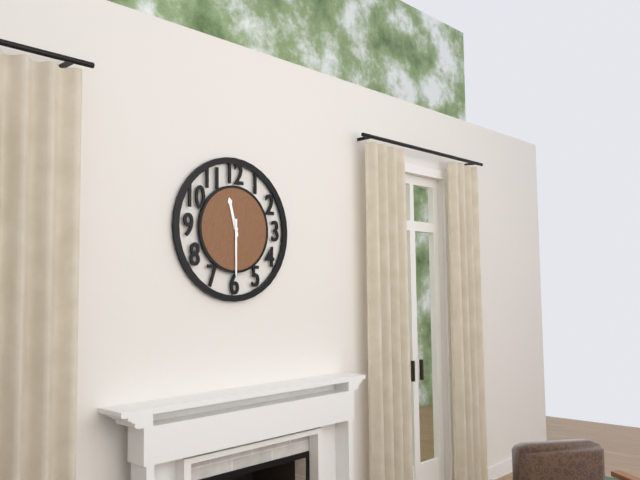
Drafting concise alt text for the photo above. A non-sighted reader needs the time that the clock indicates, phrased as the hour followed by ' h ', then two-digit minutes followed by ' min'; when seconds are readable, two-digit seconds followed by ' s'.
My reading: 11 h 30 min
